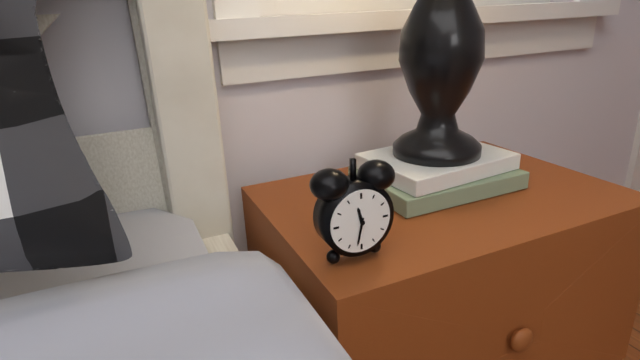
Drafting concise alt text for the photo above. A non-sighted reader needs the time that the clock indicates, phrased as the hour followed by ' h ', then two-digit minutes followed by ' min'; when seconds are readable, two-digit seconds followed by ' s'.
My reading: 11 h 32 min
